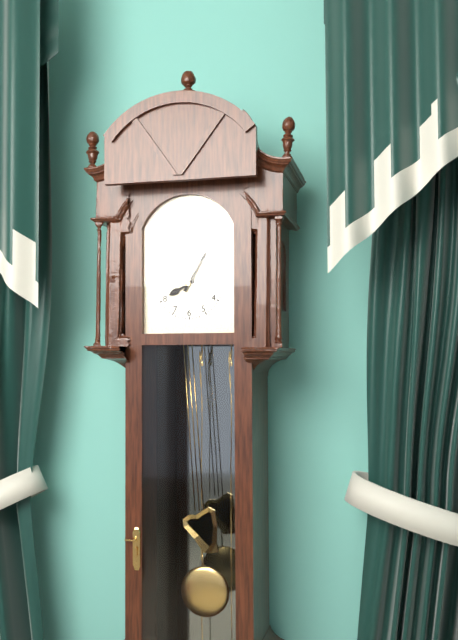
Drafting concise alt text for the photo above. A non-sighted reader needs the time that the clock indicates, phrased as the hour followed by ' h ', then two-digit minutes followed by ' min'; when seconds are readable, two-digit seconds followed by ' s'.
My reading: 8 h 05 min
